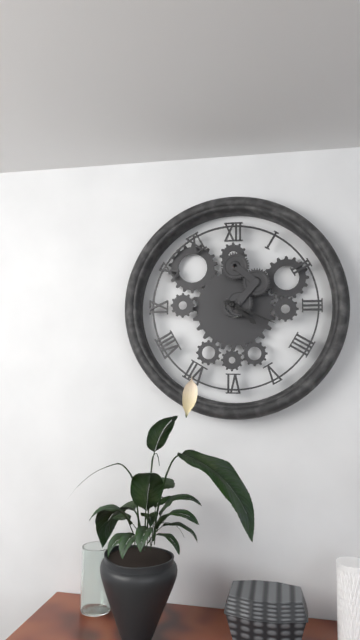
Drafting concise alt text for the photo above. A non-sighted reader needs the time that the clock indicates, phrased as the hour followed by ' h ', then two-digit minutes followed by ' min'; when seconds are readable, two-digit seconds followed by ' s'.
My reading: 4 h 19 min
